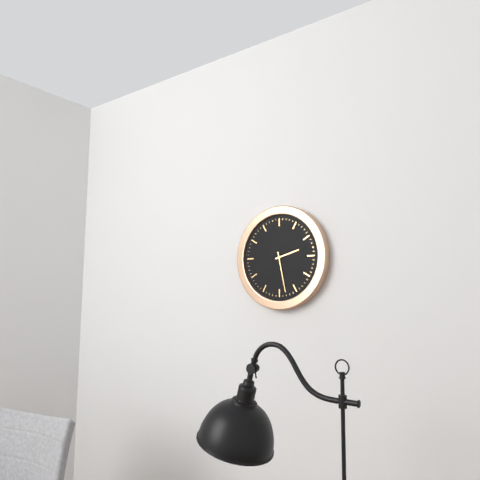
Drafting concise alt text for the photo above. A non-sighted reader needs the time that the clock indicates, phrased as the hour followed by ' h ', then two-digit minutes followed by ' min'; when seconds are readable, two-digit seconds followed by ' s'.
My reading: 2 h 28 min
